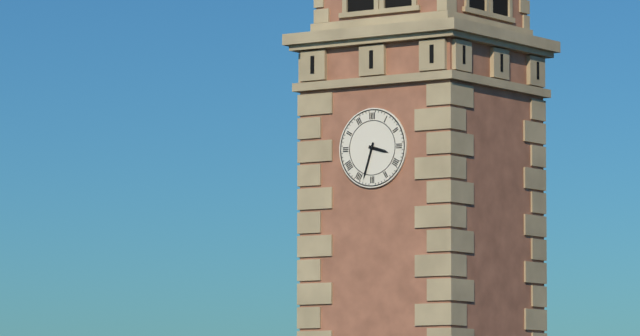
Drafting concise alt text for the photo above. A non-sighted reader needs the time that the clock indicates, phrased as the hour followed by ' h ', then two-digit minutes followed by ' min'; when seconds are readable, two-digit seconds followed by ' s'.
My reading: 3 h 33 min
